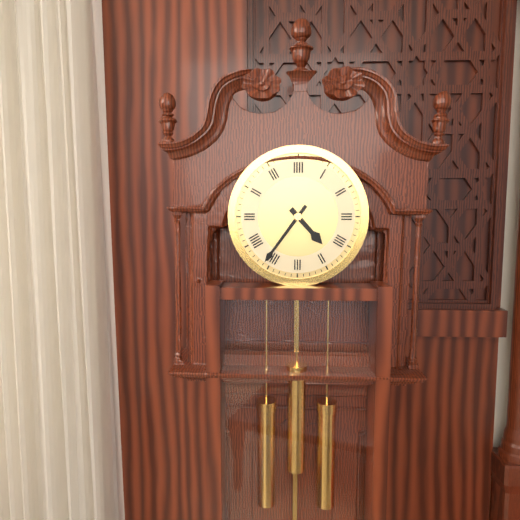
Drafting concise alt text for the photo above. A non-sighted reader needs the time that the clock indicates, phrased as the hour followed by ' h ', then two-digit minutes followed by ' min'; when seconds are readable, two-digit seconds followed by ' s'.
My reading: 4 h 36 min
